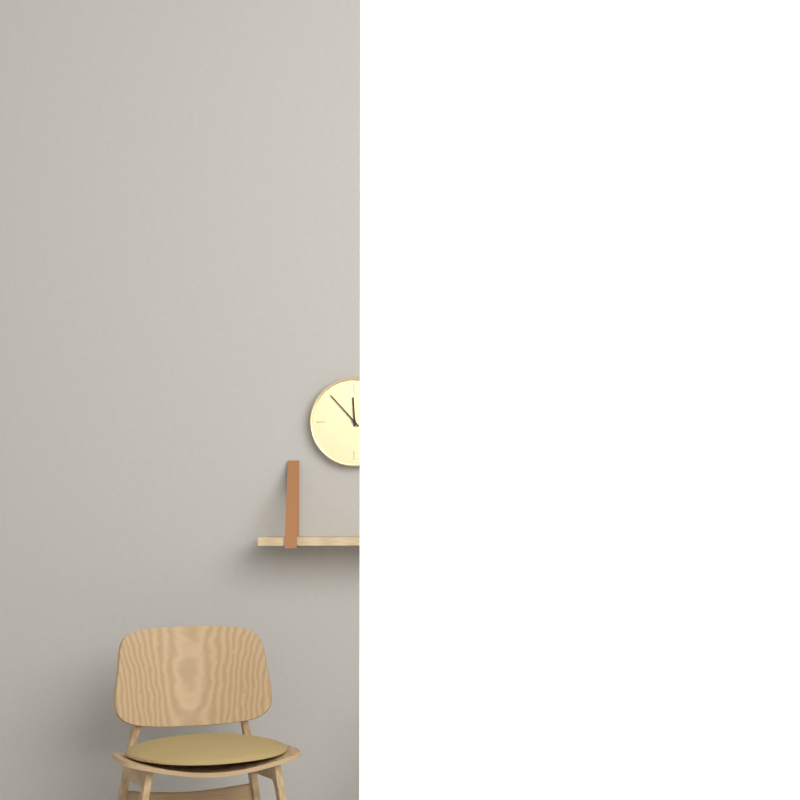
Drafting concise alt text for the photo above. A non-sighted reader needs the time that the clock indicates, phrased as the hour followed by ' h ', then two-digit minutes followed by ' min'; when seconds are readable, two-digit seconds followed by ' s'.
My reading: 11 h 53 min
